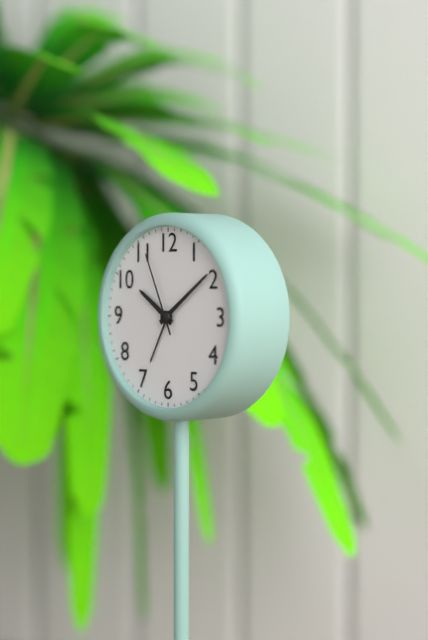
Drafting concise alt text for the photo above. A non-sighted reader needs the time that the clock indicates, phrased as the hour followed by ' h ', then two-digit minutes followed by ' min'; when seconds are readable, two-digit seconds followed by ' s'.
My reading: 10 h 09 min 56 s
